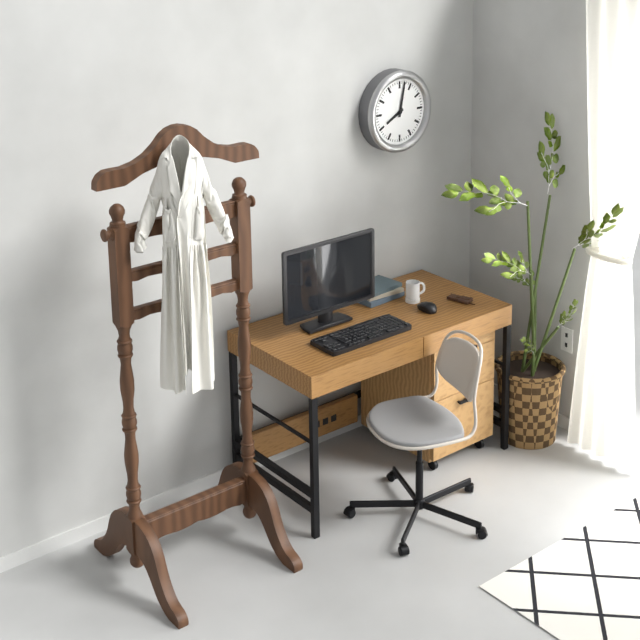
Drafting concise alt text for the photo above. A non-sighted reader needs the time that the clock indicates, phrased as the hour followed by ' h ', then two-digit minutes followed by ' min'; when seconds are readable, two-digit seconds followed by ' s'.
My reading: 8 h 02 min
